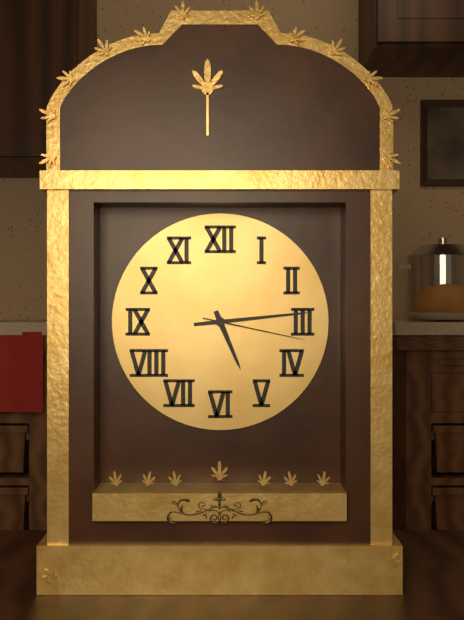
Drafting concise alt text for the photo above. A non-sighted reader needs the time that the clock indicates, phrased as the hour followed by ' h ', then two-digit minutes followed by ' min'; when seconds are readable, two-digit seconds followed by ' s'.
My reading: 5 h 14 min 17 s
